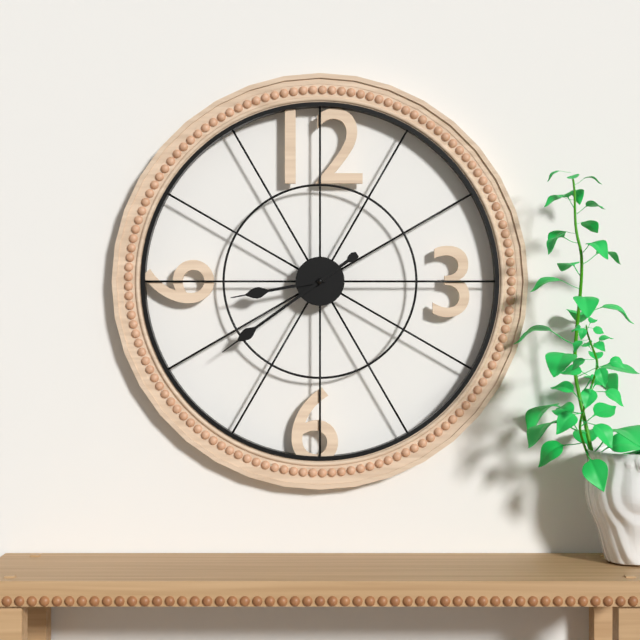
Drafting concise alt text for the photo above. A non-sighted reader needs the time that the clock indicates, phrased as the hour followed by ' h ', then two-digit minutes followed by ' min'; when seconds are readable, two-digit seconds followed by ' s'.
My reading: 8 h 39 min
